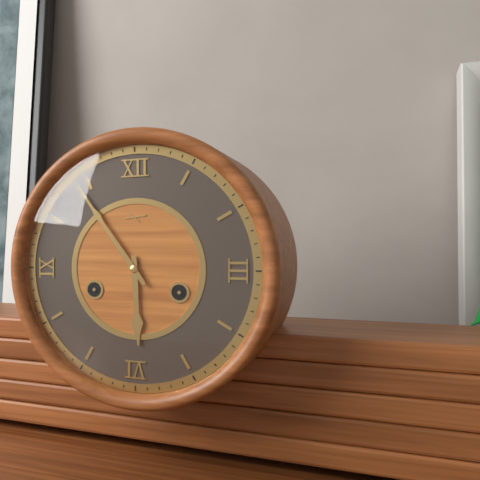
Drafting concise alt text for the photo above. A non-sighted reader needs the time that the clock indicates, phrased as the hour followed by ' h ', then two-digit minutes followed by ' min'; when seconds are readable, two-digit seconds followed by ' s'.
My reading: 5 h 54 min
